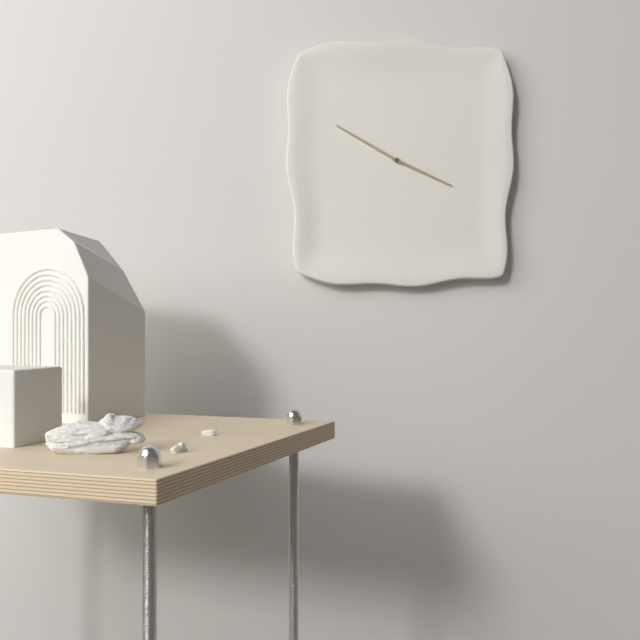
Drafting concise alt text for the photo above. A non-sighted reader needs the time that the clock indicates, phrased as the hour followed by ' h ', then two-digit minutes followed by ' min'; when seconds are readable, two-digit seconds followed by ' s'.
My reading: 3 h 50 min
